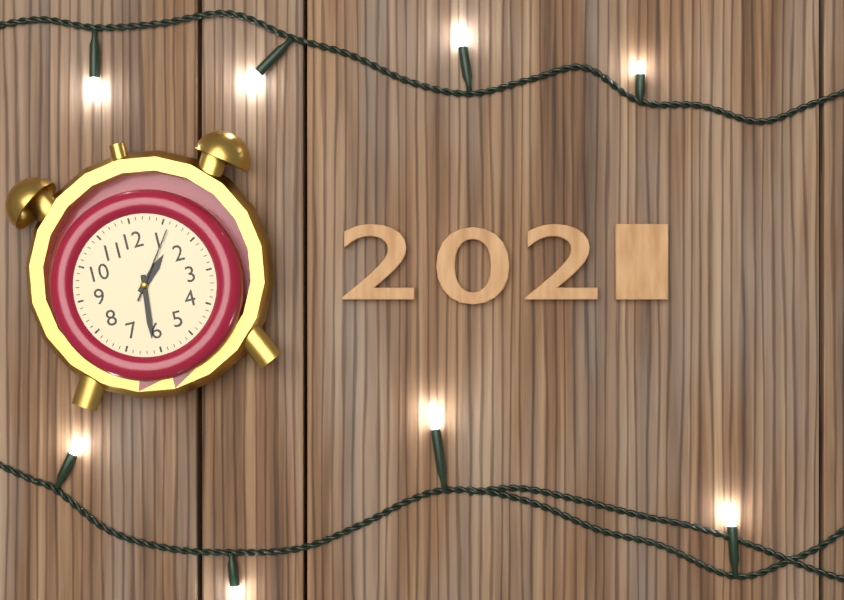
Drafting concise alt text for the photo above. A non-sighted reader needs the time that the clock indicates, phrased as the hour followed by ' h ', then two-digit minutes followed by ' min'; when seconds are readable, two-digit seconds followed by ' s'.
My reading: 1 h 31 min 06 s
